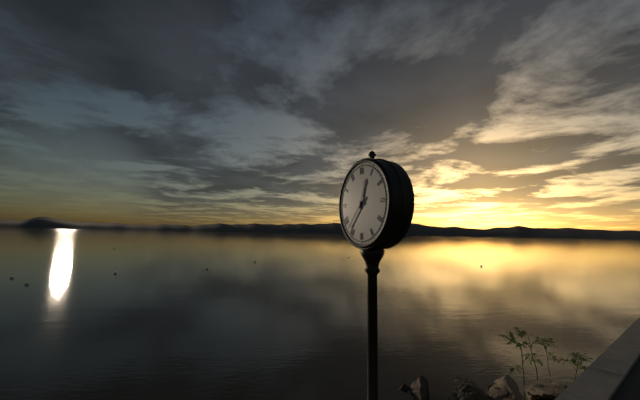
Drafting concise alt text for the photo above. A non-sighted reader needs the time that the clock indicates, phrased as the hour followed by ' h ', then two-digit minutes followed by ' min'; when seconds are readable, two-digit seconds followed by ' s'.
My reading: 12 h 37 min
